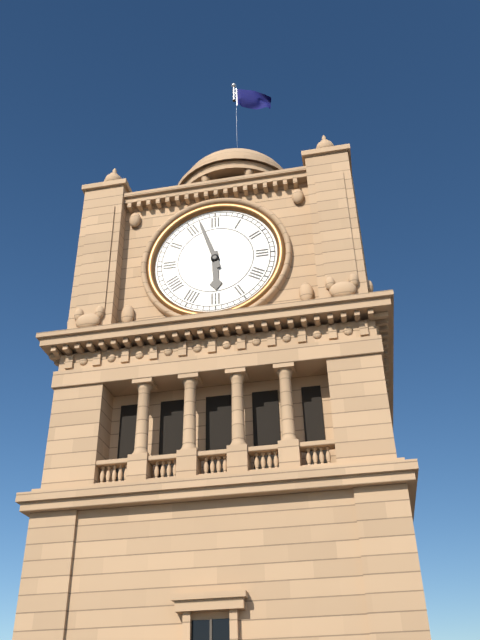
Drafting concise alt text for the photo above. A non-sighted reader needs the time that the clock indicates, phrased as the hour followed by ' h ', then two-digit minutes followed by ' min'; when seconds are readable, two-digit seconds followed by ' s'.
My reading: 5 h 57 min
